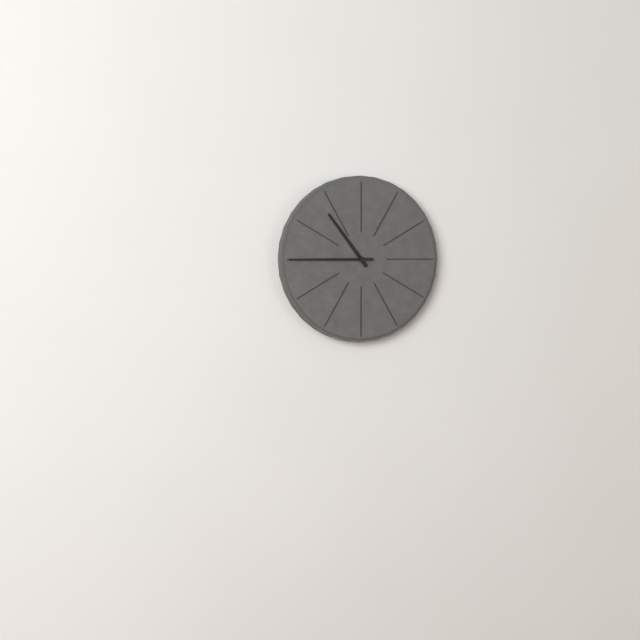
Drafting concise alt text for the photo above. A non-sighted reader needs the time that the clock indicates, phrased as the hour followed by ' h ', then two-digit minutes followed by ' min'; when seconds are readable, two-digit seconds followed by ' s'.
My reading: 10 h 45 min
